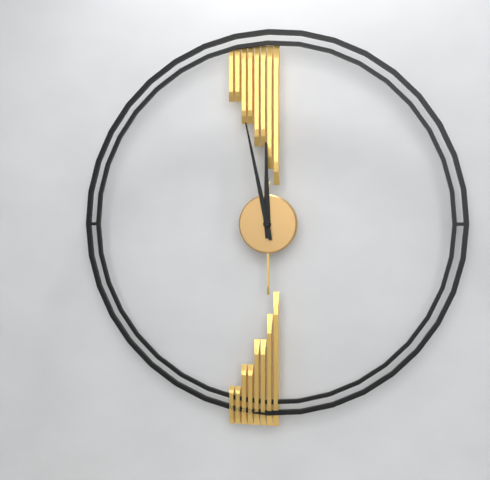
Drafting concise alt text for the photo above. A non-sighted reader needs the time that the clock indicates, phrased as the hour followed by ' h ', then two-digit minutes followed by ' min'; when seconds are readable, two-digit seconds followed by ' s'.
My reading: 11 h 58 min
